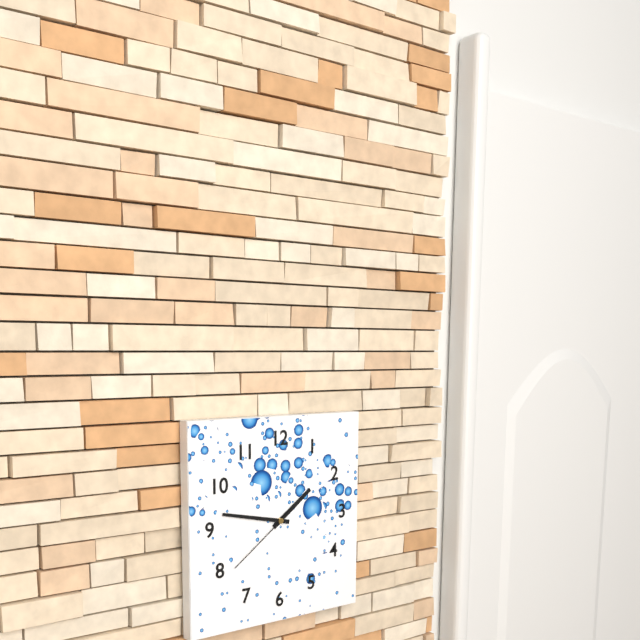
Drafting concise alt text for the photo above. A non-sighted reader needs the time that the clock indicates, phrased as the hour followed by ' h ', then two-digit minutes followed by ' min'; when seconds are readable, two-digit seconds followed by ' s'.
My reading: 1 h 47 min 39 s
